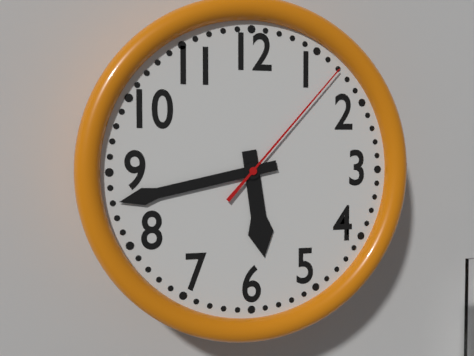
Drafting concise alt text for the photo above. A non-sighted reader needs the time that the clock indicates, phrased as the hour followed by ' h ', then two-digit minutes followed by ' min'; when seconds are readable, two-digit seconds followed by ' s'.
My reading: 5 h 43 min 07 s
